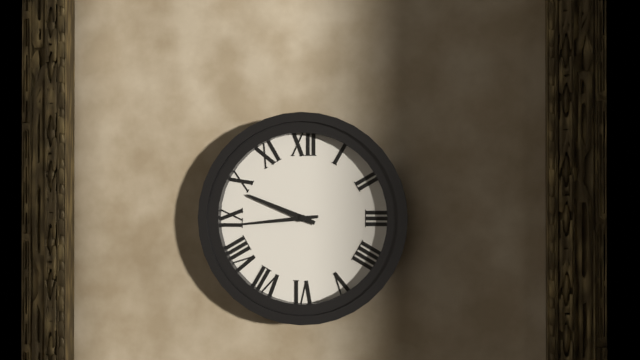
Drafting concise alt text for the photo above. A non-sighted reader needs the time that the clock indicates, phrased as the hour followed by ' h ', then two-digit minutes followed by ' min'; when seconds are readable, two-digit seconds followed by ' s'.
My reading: 9 h 44 min
